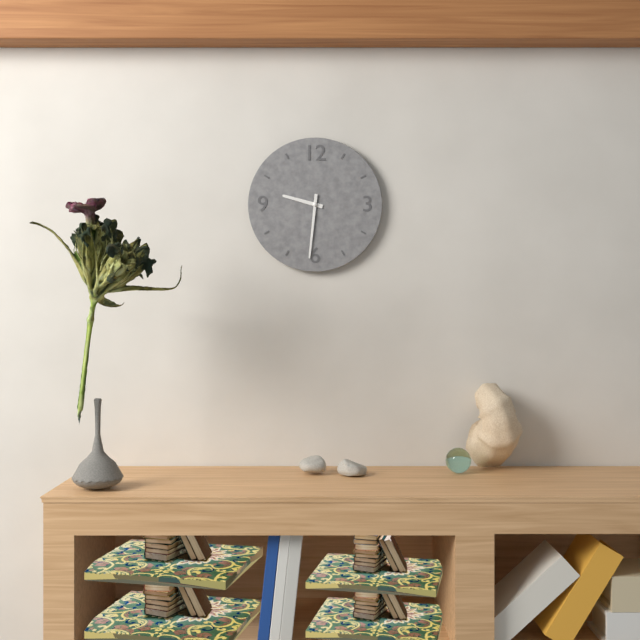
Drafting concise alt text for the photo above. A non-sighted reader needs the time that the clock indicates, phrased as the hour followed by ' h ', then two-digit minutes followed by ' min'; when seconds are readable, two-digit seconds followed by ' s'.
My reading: 9 h 31 min
